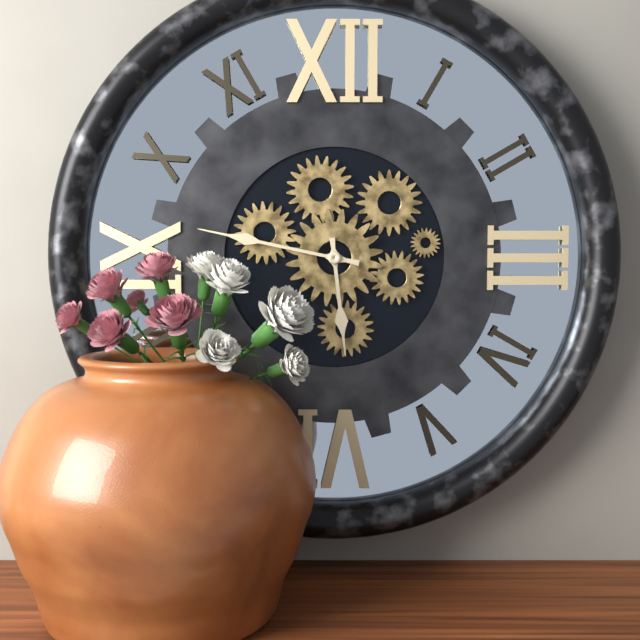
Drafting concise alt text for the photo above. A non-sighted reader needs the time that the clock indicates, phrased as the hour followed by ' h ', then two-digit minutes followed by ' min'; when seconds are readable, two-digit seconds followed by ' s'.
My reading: 5 h 47 min
